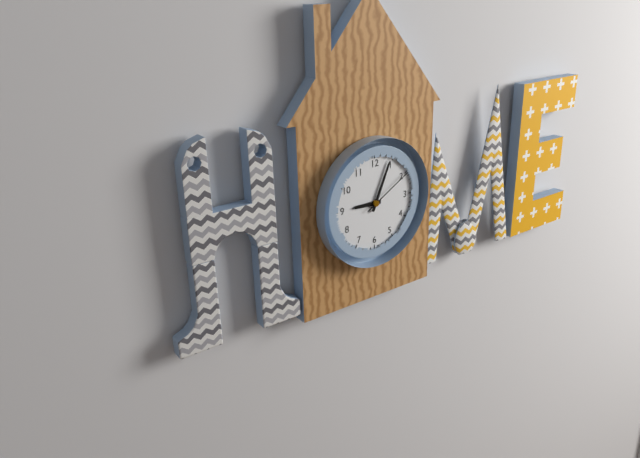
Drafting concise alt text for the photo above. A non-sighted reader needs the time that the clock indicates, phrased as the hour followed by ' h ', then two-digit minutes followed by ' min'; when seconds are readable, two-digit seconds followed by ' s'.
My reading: 9 h 04 min 10 s
